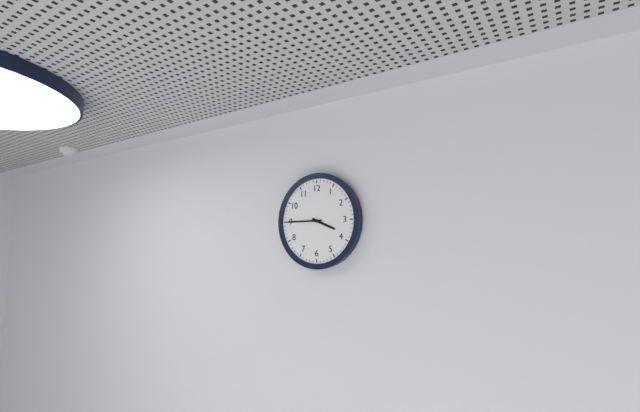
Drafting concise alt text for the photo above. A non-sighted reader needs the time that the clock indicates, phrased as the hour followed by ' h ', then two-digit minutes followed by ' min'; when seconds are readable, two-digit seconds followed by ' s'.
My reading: 3 h 45 min
